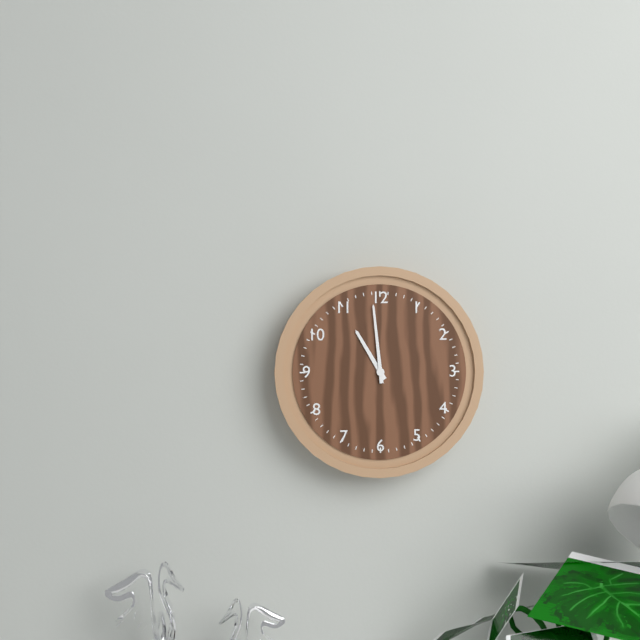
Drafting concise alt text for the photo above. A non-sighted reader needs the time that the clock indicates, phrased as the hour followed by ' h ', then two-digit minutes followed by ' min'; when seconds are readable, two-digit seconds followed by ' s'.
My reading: 10 h 59 min
